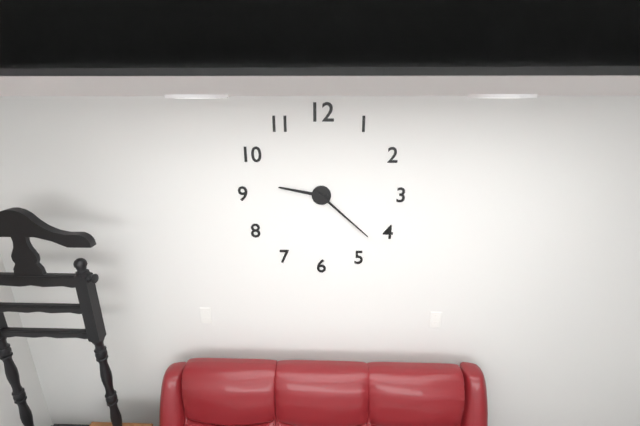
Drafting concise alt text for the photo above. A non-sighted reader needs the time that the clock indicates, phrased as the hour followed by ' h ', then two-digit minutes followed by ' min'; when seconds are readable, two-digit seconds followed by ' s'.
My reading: 9 h 22 min
